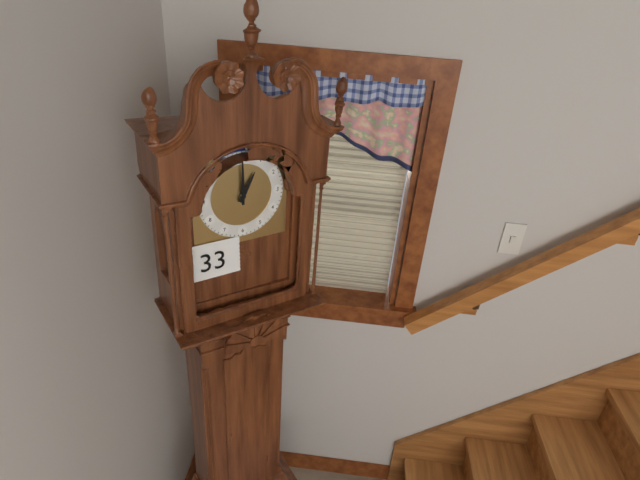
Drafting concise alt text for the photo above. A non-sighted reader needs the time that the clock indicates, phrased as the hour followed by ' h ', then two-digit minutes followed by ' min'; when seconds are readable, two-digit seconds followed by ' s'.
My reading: 1 h 00 min
